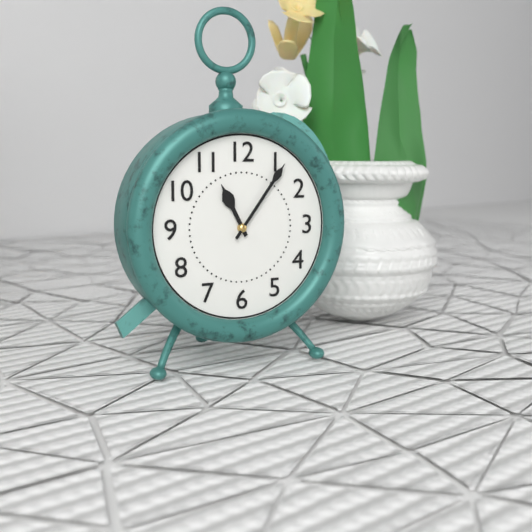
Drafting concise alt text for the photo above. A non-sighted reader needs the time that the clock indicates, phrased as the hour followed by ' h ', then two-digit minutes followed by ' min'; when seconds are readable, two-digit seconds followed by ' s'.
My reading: 11 h 06 min
